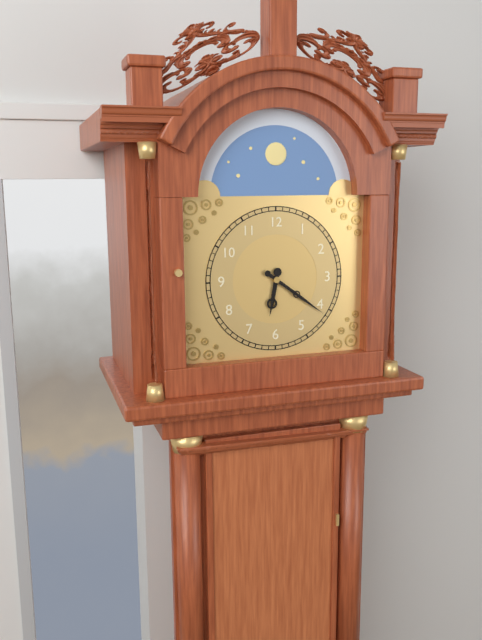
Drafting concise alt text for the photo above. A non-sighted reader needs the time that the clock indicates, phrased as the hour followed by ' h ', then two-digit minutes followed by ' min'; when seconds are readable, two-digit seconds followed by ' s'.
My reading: 6 h 21 min
